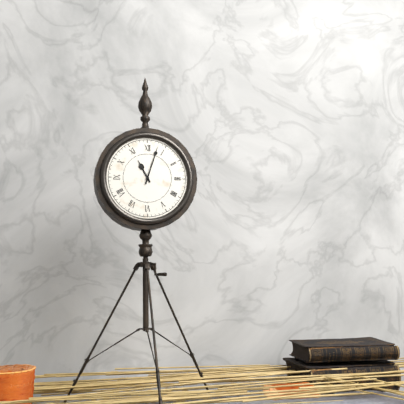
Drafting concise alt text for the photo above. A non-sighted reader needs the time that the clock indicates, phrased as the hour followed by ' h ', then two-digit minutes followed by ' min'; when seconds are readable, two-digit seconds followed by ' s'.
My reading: 11 h 03 min
